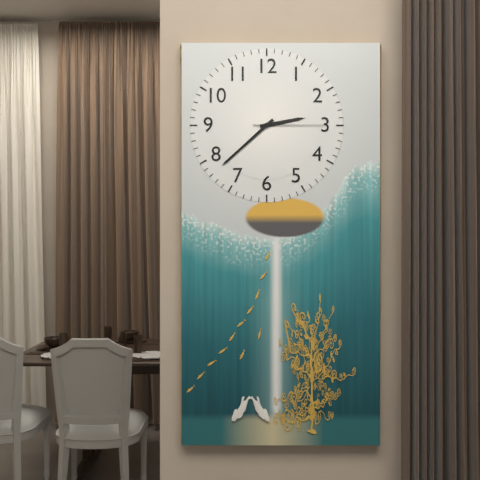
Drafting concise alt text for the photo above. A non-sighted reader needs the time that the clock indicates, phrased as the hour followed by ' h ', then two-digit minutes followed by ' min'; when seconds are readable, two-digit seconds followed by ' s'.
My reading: 2 h 38 min 15 s
